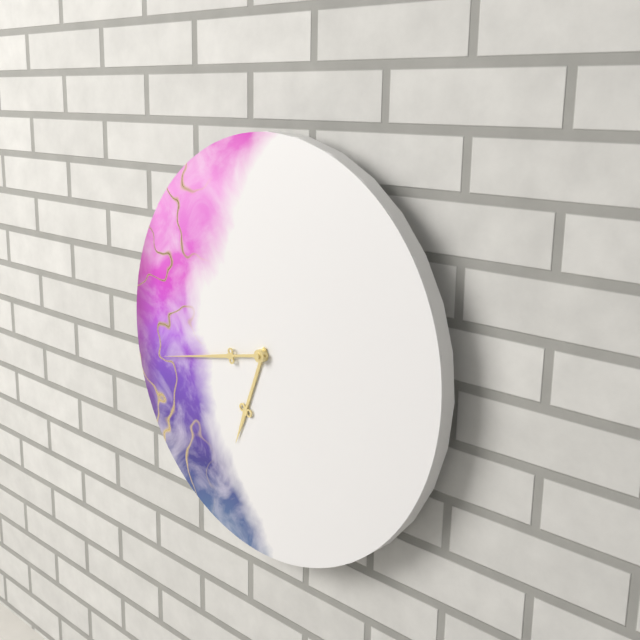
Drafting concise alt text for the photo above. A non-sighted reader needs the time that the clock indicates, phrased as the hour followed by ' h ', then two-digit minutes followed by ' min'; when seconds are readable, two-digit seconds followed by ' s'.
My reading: 6 h 43 min
